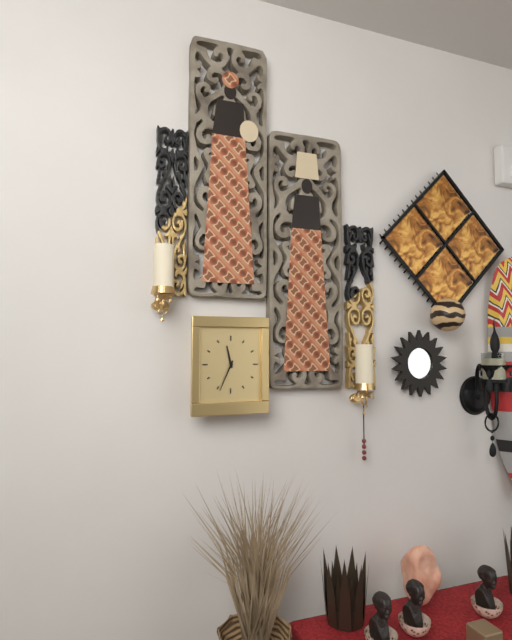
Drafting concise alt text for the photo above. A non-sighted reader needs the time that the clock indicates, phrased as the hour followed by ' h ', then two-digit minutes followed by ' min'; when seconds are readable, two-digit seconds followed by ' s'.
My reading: 11 h 34 min
